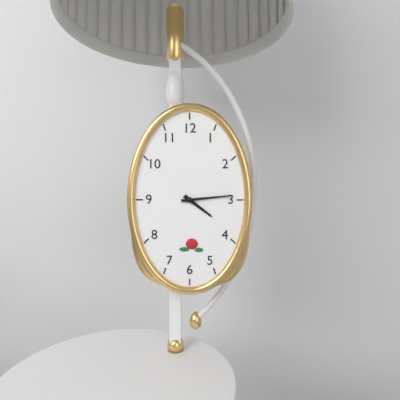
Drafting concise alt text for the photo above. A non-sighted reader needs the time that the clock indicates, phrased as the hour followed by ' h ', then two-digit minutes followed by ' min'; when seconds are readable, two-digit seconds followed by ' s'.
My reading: 4 h 14 min
